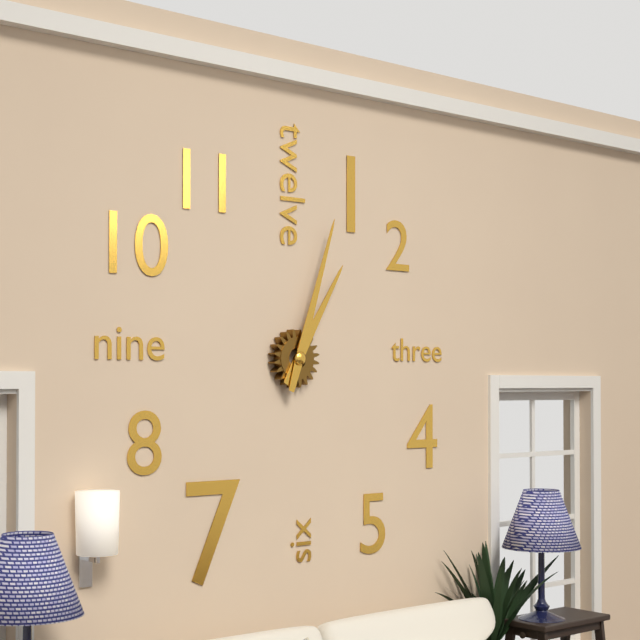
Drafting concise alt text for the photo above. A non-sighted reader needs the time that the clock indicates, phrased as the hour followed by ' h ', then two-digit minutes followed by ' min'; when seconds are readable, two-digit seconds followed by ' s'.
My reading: 1 h 03 min
